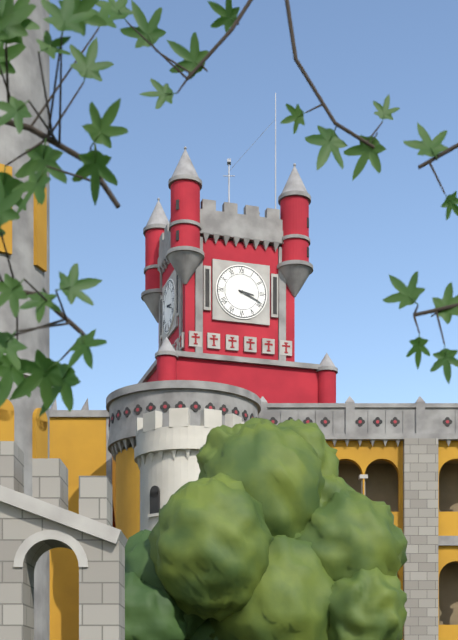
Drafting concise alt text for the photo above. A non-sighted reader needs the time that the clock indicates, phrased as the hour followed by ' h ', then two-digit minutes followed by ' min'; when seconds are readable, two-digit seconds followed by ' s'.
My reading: 3 h 19 min
